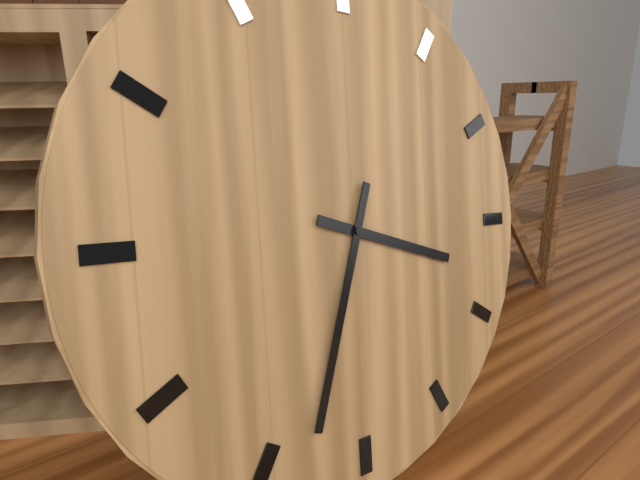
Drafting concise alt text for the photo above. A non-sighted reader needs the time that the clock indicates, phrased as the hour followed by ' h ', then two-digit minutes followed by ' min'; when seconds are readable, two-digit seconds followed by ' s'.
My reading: 3 h 33 min
